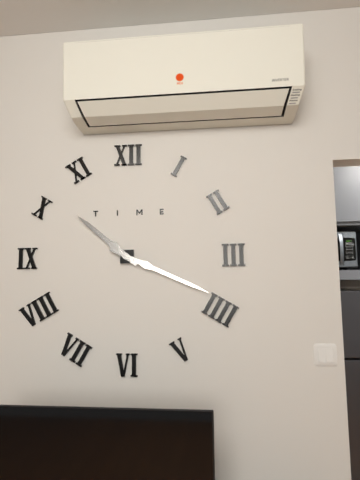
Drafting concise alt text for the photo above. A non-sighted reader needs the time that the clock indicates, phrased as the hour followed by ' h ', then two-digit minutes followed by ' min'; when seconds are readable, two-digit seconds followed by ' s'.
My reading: 10 h 19 min
